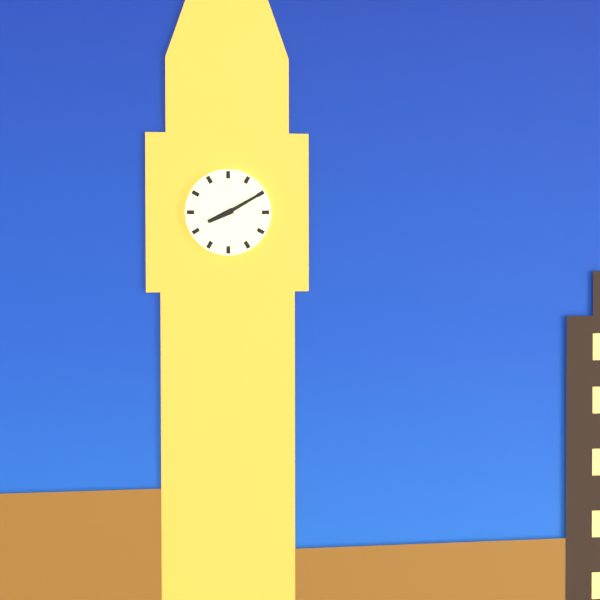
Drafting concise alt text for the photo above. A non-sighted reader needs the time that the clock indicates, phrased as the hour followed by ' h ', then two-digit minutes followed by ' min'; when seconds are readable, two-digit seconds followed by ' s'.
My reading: 8 h 10 min
